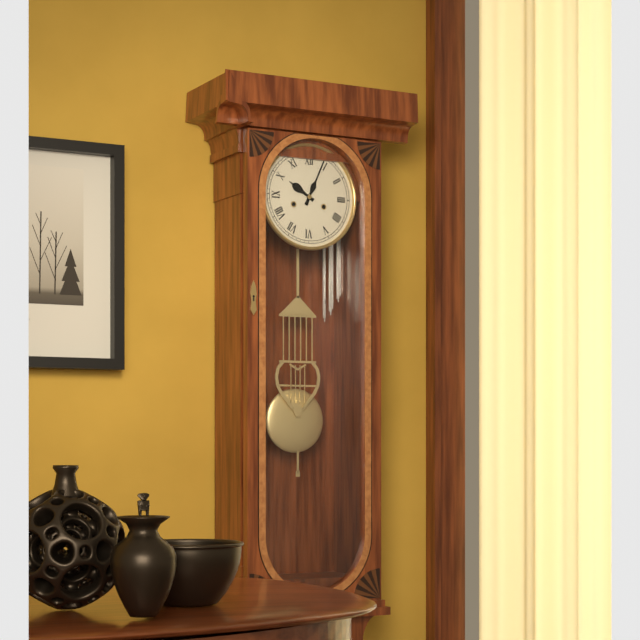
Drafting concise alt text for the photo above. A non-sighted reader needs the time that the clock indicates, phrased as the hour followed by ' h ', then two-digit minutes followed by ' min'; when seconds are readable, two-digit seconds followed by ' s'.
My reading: 10 h 04 min
